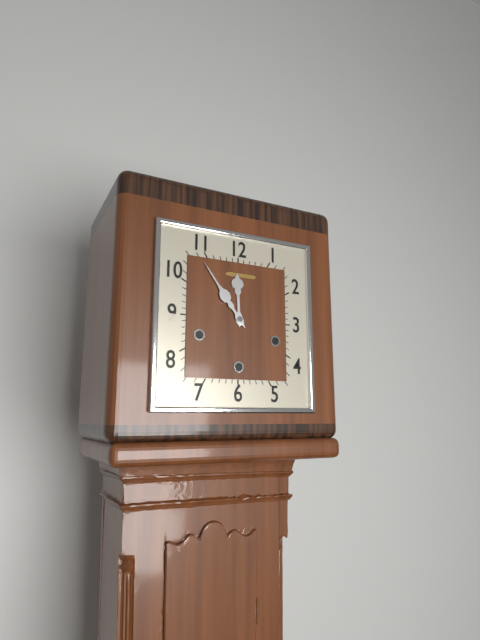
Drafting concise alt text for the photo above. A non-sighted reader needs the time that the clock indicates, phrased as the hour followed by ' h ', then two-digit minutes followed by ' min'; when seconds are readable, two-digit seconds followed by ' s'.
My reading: 11 h 54 min
